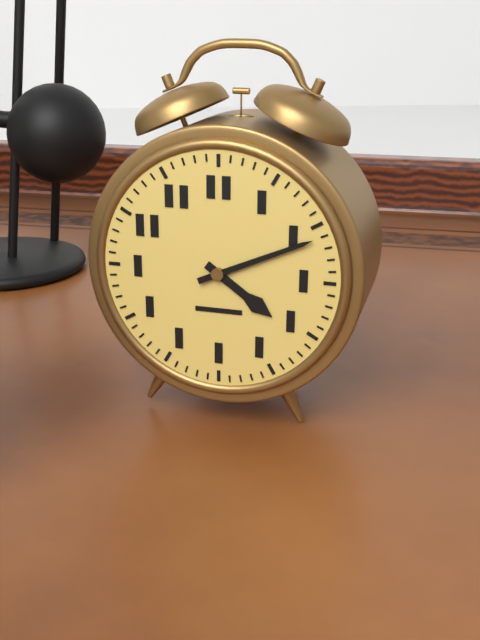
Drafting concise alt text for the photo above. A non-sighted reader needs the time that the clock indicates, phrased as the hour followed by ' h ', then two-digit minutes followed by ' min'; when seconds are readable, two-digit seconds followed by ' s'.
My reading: 4 h 11 min
